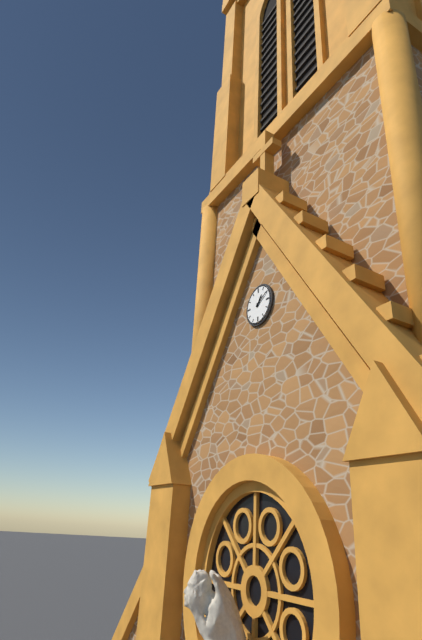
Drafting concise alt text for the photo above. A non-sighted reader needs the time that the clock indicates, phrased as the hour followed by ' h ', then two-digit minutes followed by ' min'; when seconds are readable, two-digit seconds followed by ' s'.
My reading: 1 h 10 min
